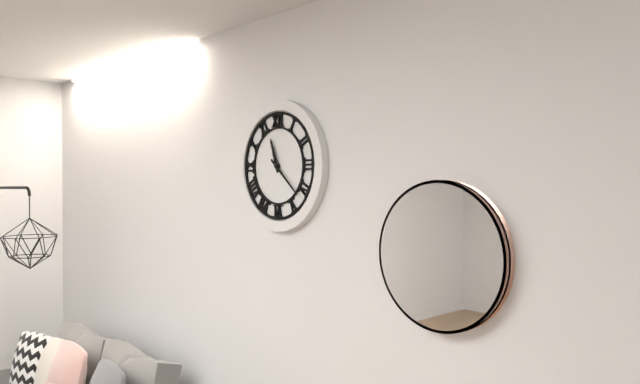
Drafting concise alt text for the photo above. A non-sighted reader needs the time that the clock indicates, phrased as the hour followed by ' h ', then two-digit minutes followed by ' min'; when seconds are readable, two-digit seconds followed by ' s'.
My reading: 11 h 22 min
